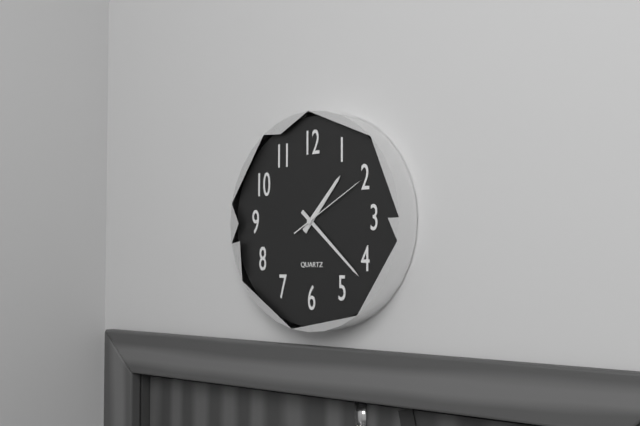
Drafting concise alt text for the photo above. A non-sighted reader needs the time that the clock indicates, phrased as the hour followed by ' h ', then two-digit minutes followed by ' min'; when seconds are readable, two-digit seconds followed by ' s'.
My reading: 1 h 22 min 10 s
